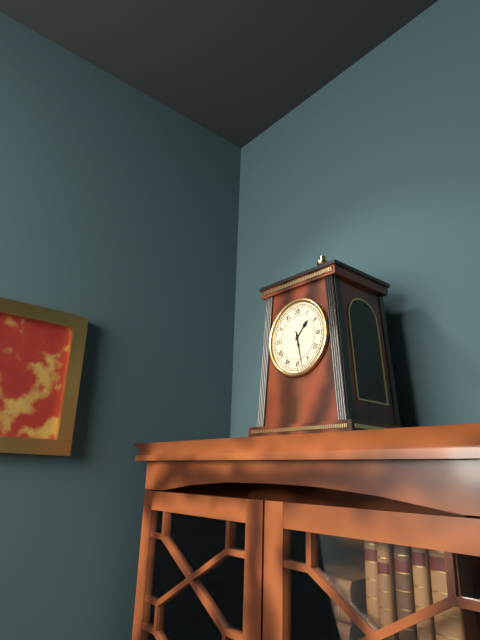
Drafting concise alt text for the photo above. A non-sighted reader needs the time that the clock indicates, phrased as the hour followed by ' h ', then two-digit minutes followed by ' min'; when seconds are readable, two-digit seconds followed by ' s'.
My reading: 1 h 28 min
